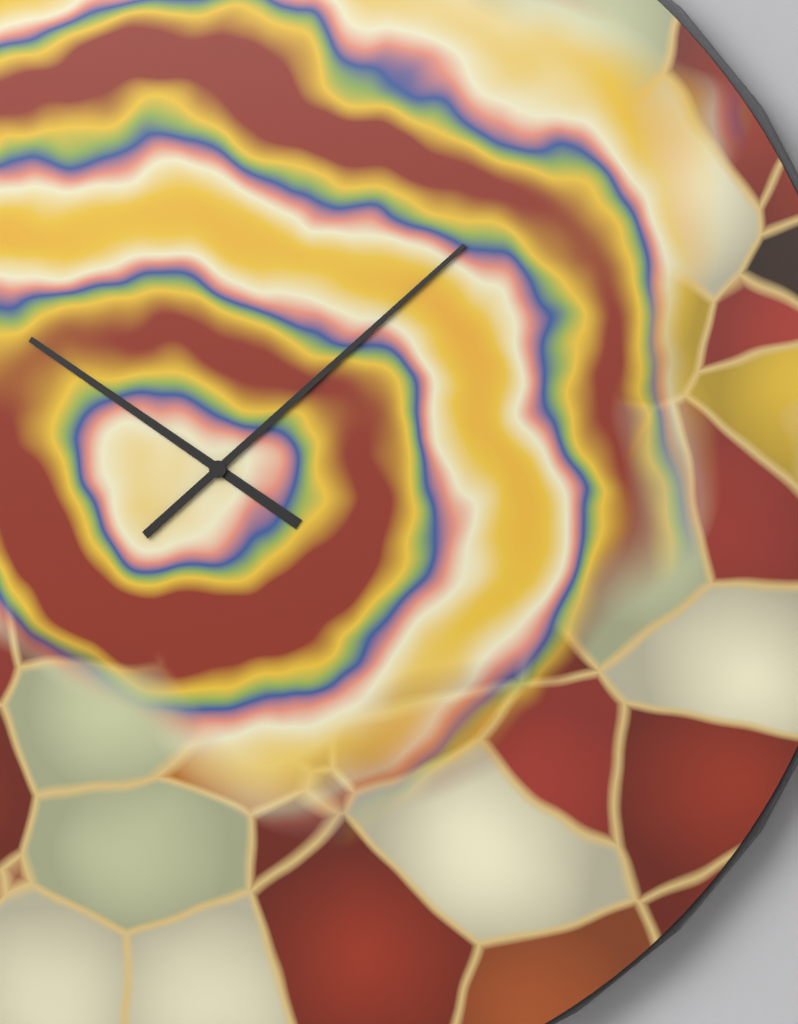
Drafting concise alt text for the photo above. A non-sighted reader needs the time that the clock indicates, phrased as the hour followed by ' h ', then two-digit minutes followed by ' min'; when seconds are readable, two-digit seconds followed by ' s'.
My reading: 10 h 08 min
